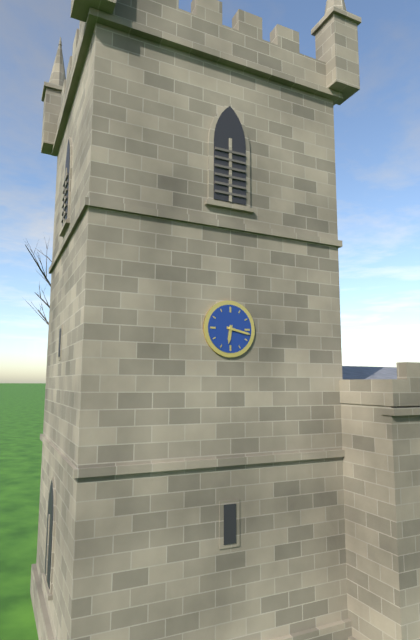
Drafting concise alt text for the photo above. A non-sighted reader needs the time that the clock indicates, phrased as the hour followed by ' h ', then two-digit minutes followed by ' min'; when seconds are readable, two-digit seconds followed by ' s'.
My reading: 6 h 17 min
